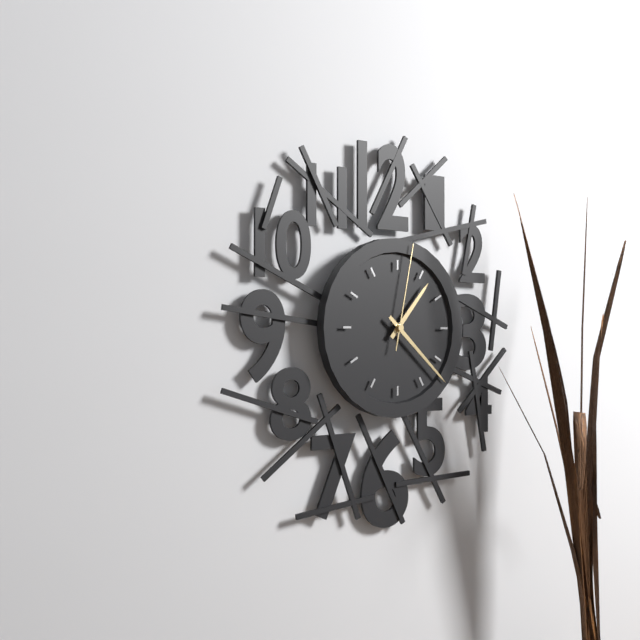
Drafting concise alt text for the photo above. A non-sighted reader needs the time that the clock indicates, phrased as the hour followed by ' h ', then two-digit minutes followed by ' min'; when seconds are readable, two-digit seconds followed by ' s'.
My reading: 1 h 22 min 02 s
